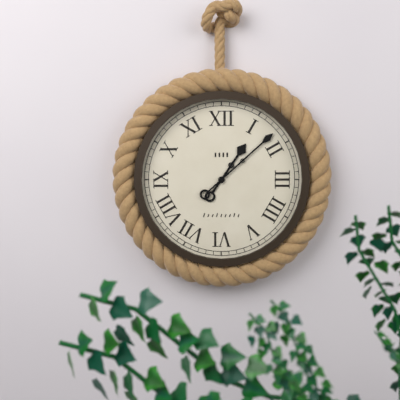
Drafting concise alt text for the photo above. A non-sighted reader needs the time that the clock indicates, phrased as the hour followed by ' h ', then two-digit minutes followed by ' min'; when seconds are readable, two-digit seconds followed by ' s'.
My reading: 1 h 08 min
